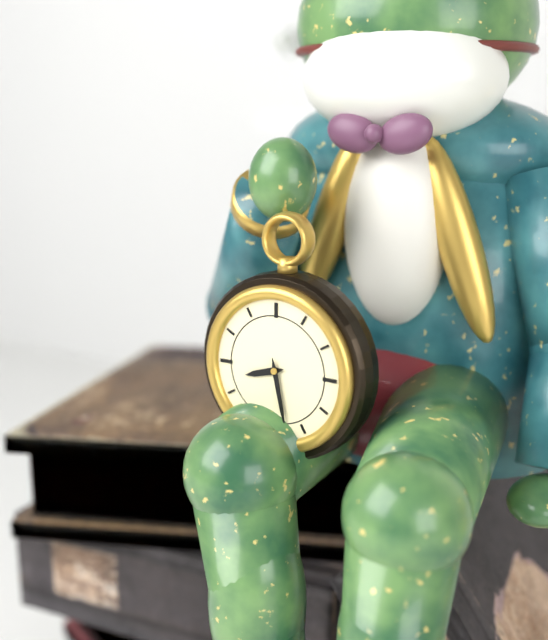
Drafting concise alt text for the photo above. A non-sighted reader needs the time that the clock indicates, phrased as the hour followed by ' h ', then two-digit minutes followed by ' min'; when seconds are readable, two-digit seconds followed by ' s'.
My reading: 8 h 28 min
